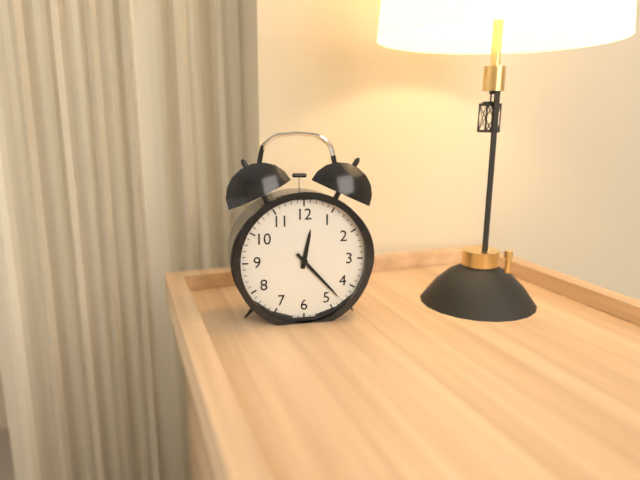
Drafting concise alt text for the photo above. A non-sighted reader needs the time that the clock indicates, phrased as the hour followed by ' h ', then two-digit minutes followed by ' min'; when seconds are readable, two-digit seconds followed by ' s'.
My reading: 12 h 23 min
